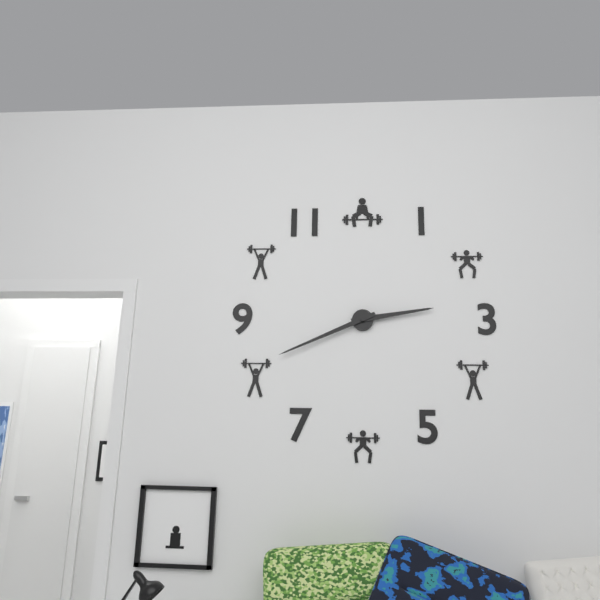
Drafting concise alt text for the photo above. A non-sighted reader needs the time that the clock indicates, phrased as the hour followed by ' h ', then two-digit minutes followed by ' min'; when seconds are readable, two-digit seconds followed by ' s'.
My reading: 2 h 41 min
